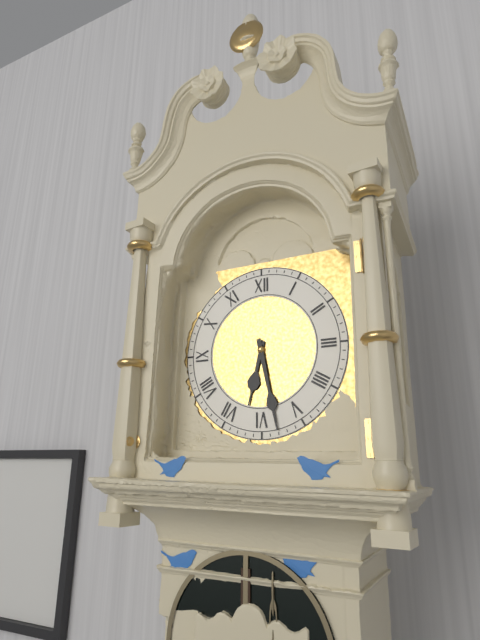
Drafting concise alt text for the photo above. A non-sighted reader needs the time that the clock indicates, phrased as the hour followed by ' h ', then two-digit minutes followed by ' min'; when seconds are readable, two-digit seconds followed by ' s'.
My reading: 6 h 28 min
